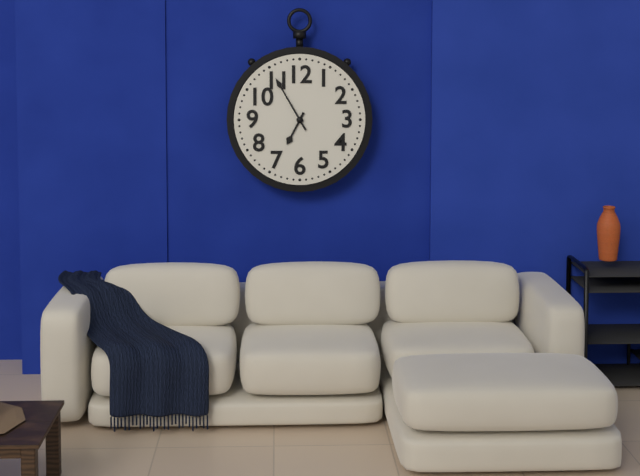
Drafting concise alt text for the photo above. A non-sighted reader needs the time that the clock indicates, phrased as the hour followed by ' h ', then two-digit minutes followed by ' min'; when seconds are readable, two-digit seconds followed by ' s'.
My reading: 6 h 55 min
